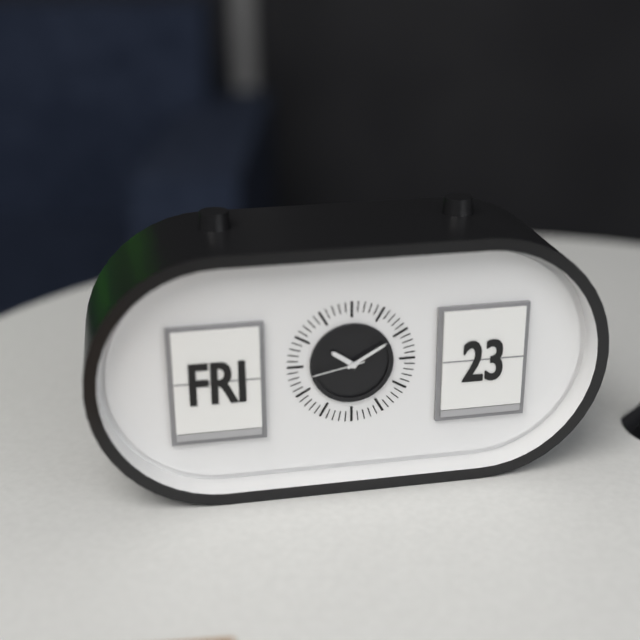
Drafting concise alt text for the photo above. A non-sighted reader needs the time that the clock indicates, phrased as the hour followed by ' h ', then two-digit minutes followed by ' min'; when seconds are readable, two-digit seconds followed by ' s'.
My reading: 10 h 10 min 43 s
